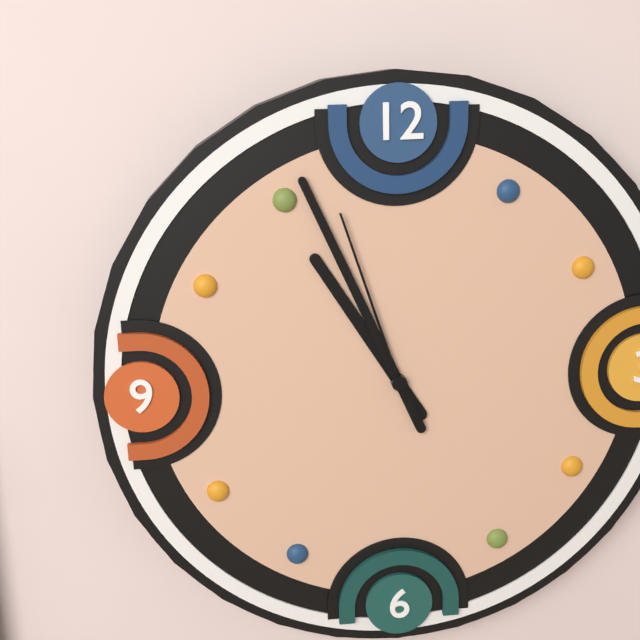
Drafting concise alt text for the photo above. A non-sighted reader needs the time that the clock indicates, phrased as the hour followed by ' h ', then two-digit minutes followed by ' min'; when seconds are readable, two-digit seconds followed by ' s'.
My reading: 10 h 56 min 57 s
